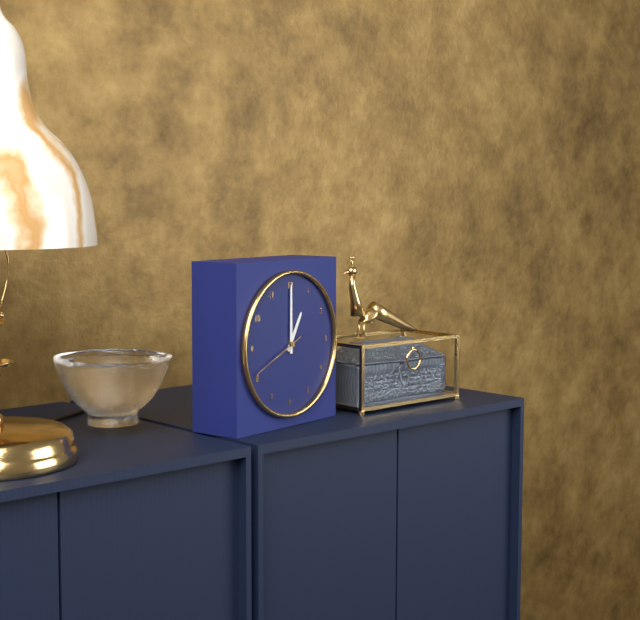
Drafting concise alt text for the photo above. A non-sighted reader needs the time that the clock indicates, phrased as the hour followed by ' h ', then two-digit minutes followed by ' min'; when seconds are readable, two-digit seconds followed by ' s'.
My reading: 1 h 00 min 41 s
